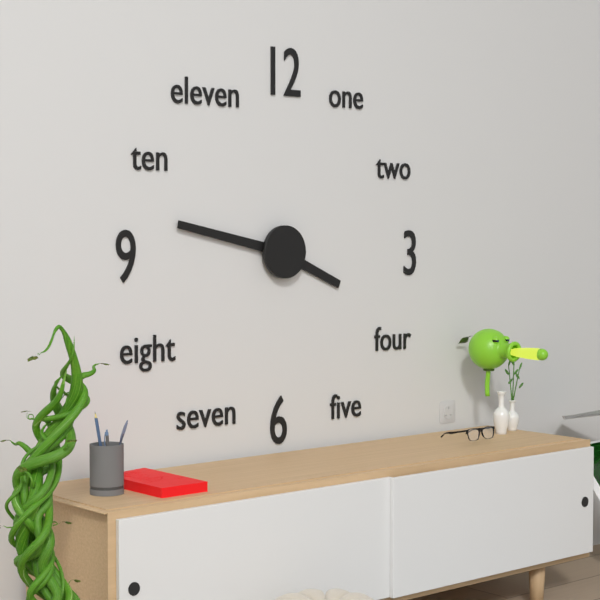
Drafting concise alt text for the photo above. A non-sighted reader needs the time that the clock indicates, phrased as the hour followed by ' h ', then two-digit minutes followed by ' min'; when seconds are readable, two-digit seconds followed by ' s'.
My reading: 3 h 47 min
